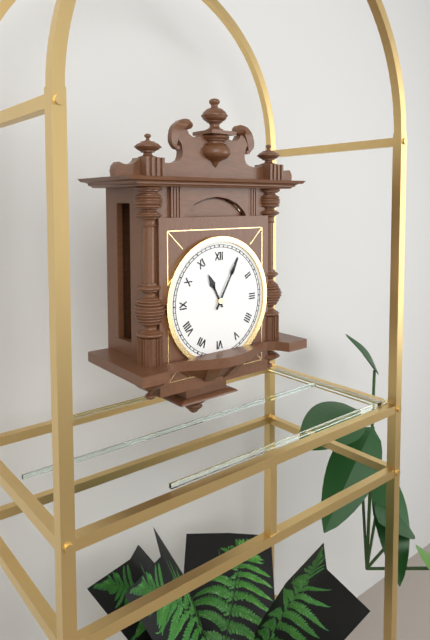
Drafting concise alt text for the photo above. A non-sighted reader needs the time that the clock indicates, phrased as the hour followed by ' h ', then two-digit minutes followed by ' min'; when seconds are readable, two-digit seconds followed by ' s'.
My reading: 11 h 05 min
